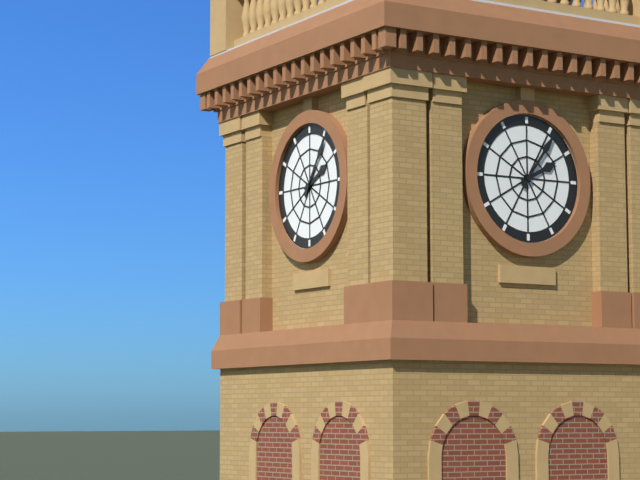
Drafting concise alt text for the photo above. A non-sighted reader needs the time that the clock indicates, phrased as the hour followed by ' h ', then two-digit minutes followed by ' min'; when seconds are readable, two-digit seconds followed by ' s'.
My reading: 2 h 06 min
